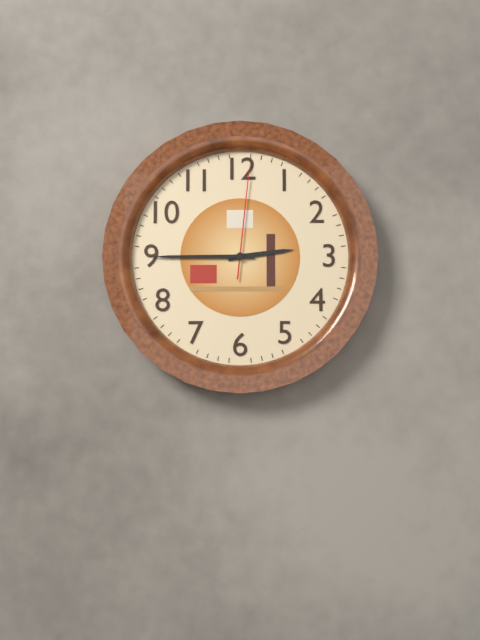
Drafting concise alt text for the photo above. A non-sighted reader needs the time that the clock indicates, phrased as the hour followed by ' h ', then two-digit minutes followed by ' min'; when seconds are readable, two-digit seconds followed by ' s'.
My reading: 2 h 45 min 01 s
